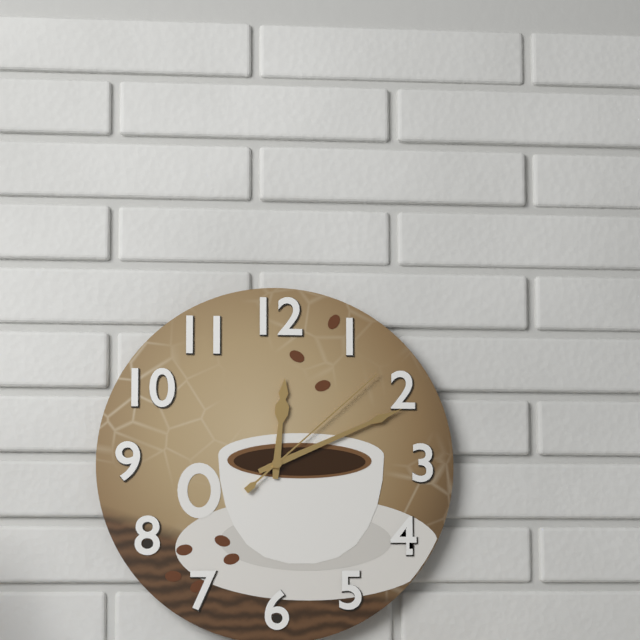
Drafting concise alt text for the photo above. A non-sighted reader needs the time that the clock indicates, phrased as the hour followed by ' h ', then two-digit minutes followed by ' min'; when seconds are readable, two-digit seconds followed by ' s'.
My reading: 12 h 11 min 08 s
